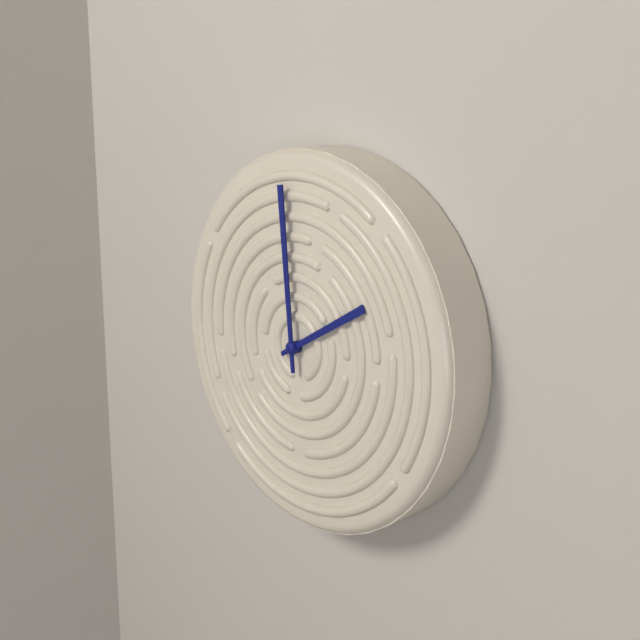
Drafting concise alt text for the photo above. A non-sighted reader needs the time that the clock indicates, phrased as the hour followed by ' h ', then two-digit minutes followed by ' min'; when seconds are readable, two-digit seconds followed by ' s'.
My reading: 1 h 59 min
